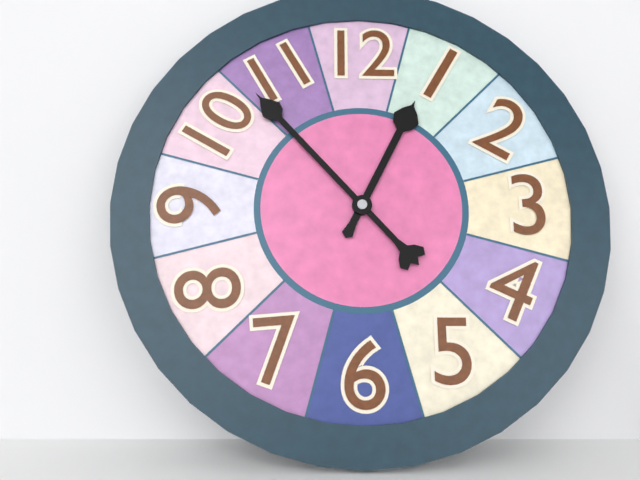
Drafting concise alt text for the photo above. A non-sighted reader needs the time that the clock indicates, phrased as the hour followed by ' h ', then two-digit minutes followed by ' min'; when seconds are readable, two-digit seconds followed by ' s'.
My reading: 12 h 53 min
